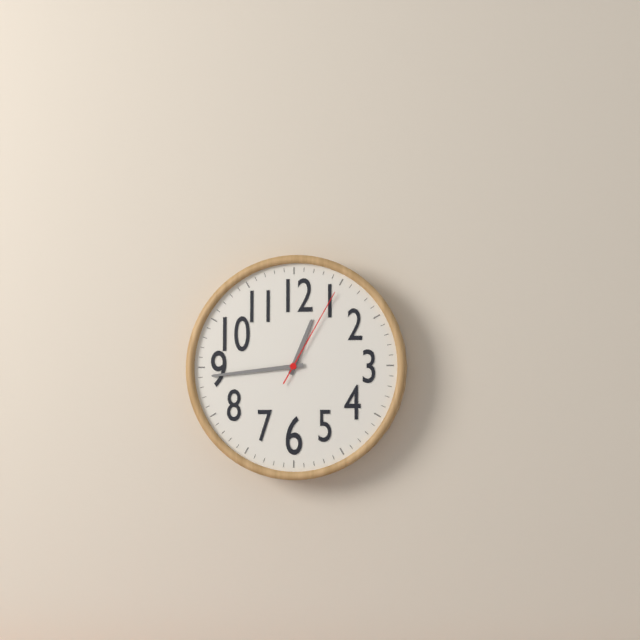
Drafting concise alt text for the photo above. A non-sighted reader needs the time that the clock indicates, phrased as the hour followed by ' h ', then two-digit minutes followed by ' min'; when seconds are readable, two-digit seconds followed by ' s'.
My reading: 12 h 44 min 05 s
